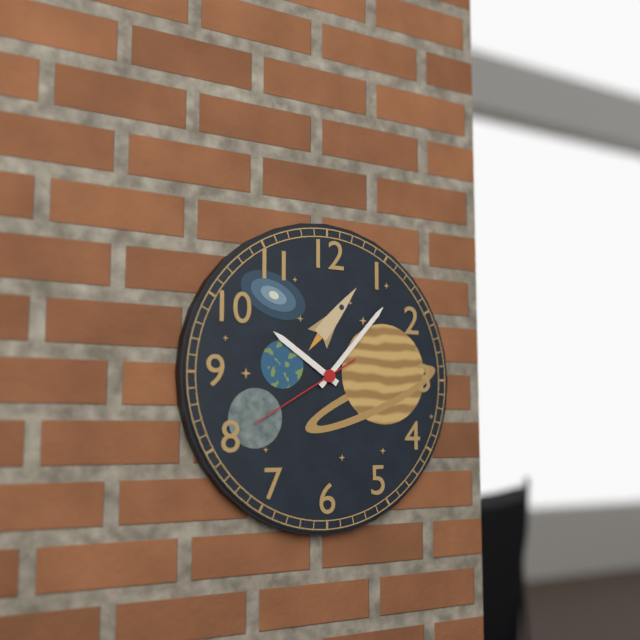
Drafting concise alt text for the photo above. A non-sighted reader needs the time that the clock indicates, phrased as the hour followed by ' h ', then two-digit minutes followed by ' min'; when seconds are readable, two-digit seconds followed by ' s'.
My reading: 10 h 07 min 40 s
